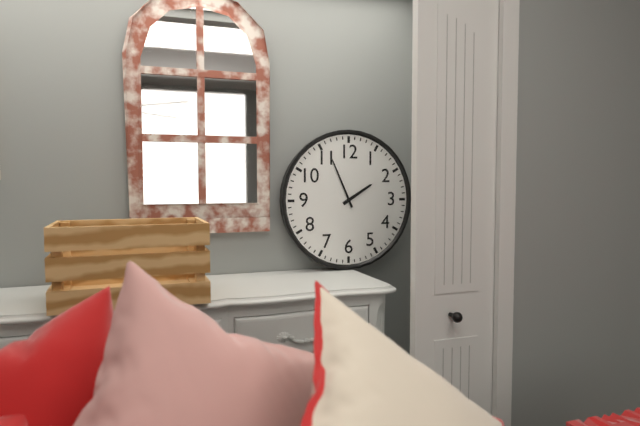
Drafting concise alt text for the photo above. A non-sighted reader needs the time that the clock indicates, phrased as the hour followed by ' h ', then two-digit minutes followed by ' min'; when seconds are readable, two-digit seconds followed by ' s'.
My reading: 1 h 56 min
